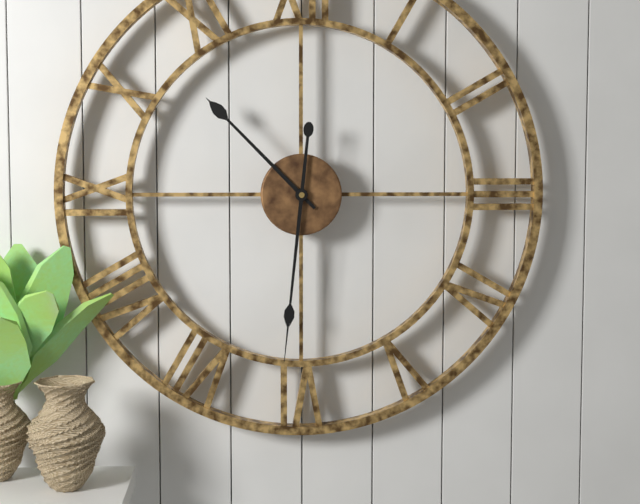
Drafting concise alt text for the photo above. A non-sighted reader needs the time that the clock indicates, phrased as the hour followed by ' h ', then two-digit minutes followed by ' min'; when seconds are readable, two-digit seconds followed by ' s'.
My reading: 10 h 31 min
